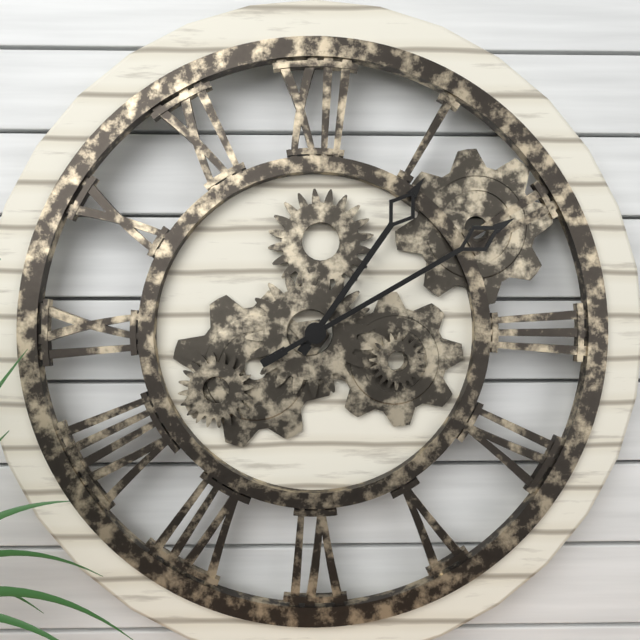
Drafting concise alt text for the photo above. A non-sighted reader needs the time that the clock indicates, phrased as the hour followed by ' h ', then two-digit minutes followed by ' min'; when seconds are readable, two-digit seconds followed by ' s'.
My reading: 1 h 10 min
